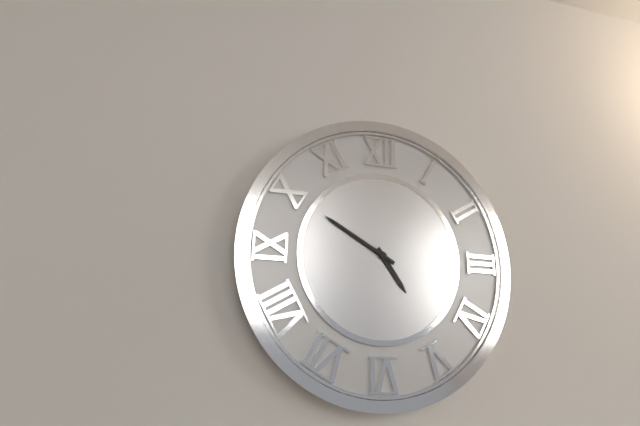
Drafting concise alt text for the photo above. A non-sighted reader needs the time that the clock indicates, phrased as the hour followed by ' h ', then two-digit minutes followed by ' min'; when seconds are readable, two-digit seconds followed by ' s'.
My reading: 4 h 50 min
